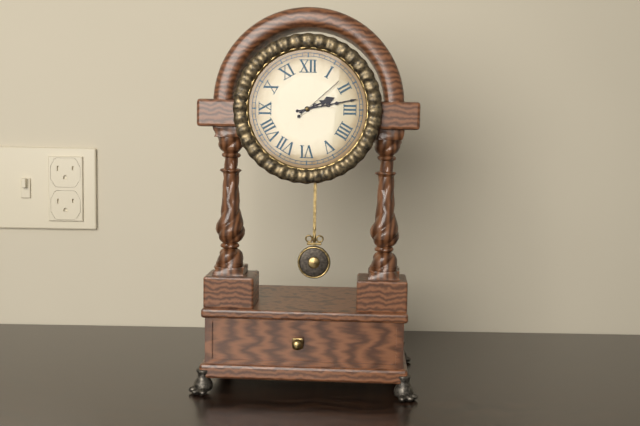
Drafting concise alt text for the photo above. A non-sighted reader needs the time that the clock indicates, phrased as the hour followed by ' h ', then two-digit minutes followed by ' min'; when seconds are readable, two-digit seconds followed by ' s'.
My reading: 2 h 13 min 08 s
